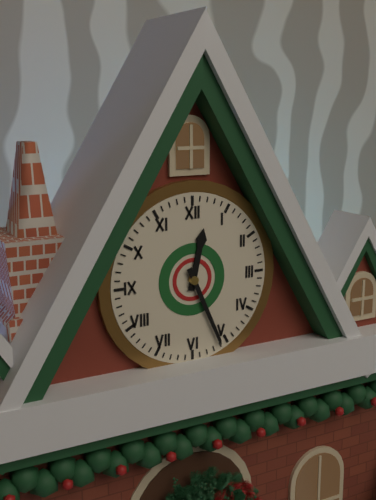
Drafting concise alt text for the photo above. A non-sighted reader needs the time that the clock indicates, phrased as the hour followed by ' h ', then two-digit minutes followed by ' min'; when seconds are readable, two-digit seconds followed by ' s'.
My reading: 12 h 26 min
